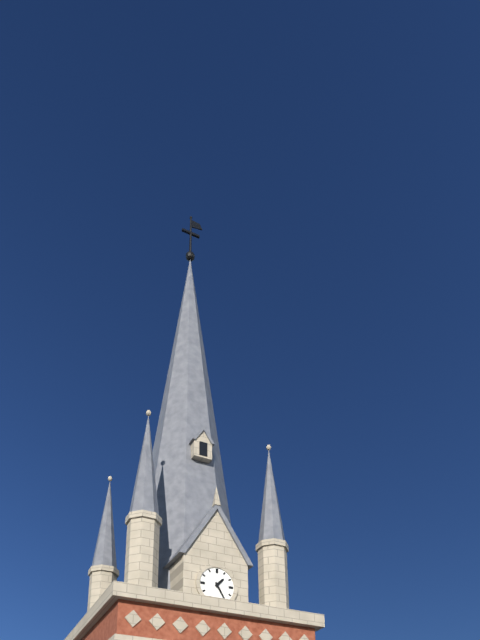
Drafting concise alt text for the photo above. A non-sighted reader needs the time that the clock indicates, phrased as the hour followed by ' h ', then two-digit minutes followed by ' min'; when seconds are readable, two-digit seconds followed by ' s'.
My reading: 1 h 25 min
